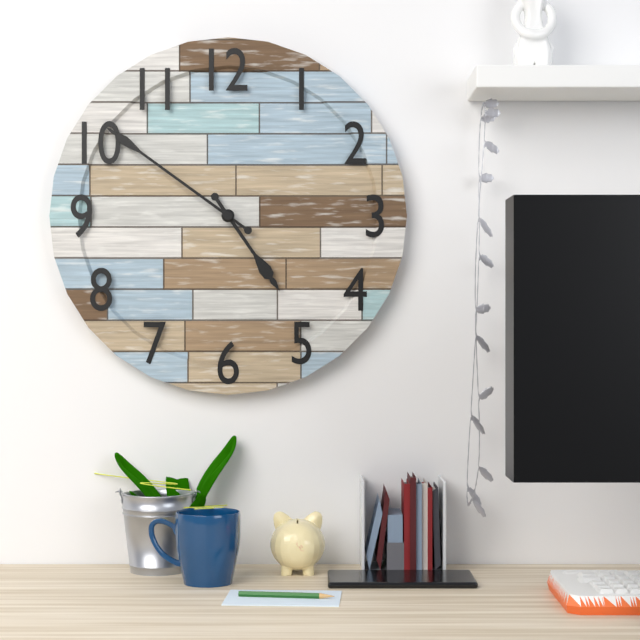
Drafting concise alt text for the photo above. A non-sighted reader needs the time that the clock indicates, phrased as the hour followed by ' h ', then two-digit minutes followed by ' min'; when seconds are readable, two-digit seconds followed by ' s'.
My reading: 4 h 51 min
